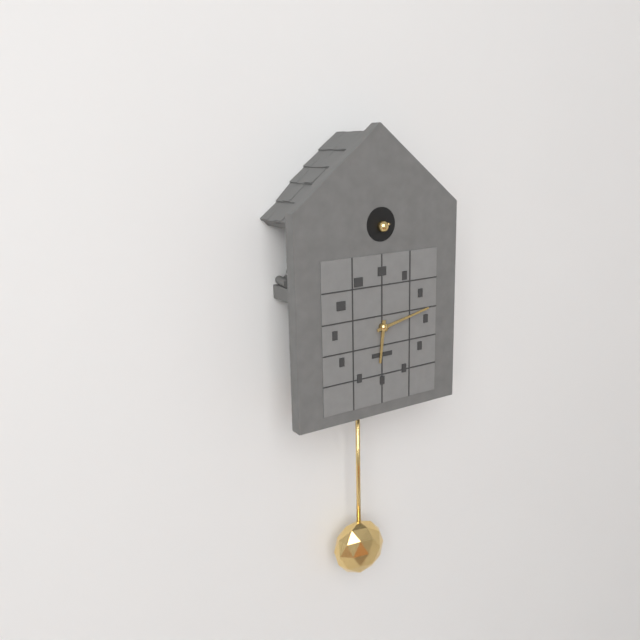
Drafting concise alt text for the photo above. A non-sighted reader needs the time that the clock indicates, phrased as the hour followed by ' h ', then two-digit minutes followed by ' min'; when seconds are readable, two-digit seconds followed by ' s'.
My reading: 6 h 13 min
